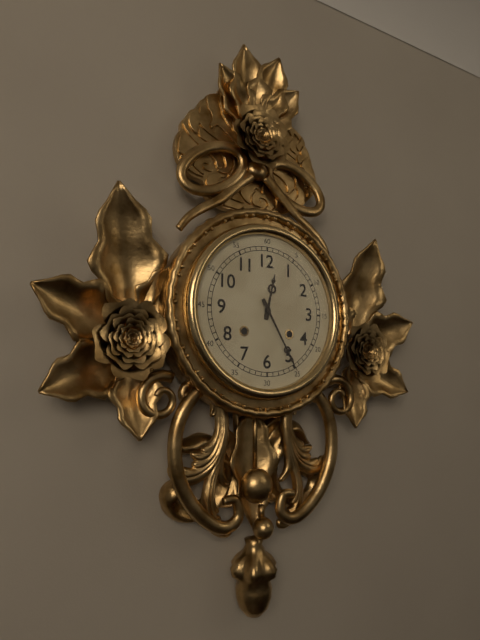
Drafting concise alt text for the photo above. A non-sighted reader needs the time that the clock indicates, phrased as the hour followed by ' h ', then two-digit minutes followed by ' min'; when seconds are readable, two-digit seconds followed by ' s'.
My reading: 12 h 25 min
